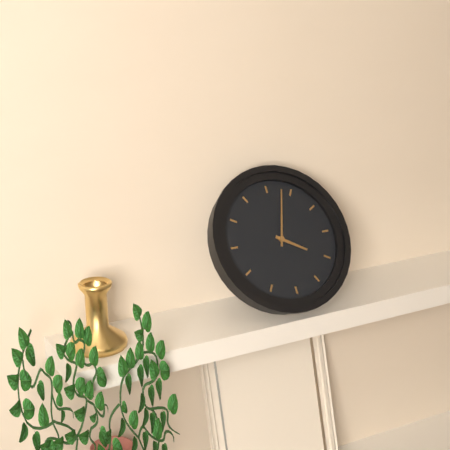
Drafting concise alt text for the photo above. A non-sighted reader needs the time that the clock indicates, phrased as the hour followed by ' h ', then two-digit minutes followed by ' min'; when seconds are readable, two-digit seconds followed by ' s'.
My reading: 4 h 03 min
